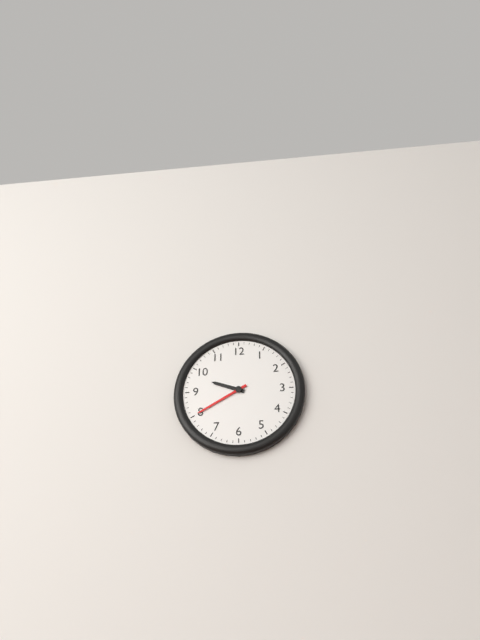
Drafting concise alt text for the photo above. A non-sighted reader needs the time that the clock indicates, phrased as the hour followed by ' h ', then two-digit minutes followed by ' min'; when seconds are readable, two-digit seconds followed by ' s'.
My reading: 9 h 40 min
